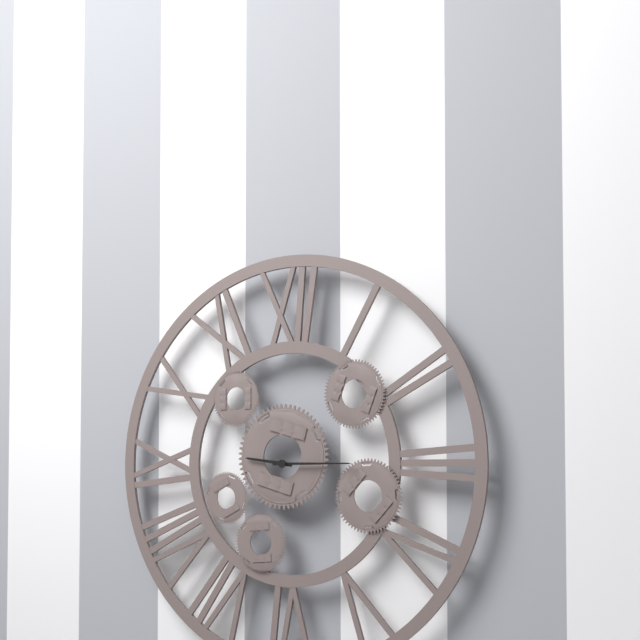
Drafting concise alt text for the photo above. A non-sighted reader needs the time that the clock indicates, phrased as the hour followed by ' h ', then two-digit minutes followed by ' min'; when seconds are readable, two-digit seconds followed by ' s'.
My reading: 9 h 15 min
